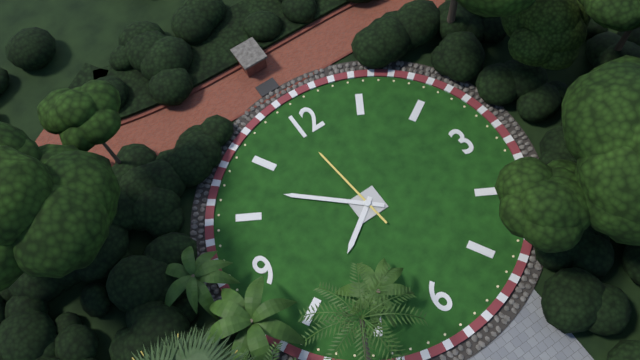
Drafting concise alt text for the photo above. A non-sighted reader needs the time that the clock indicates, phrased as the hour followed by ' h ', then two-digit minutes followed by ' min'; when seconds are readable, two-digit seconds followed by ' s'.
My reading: 7 h 52 min 59 s
